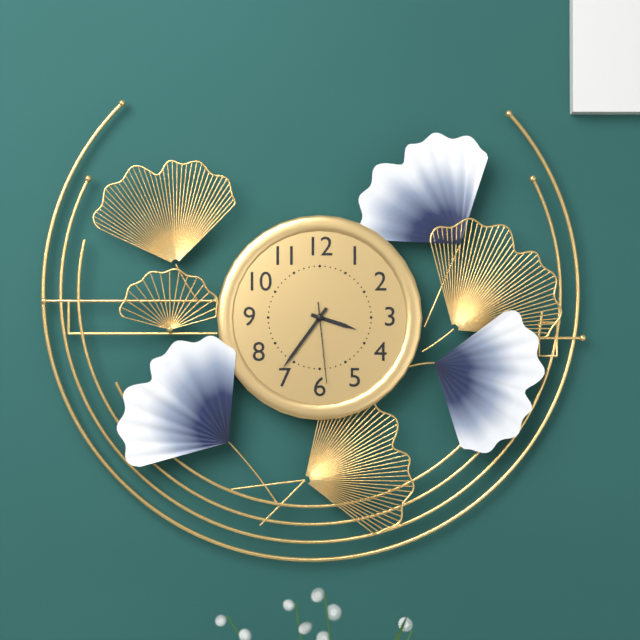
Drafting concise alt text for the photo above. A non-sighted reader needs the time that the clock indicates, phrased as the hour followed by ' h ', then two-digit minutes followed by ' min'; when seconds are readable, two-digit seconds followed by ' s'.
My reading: 3 h 36 min 29 s
